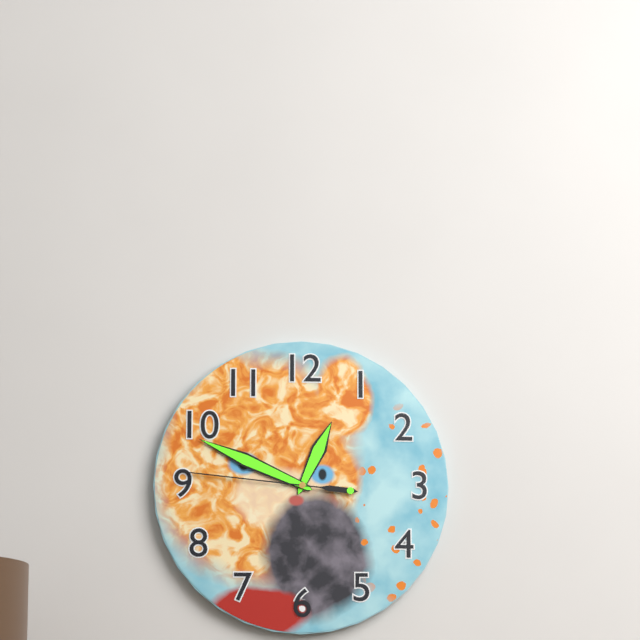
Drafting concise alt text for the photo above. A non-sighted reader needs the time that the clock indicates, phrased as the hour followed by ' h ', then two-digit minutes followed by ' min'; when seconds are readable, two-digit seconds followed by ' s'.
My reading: 12 h 49 min 46 s
